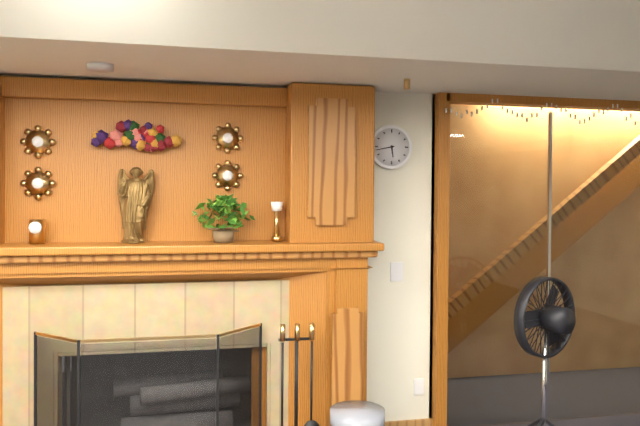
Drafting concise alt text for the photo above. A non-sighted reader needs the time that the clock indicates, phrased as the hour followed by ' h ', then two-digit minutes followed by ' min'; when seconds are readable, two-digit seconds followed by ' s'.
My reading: 5 h 43 min
